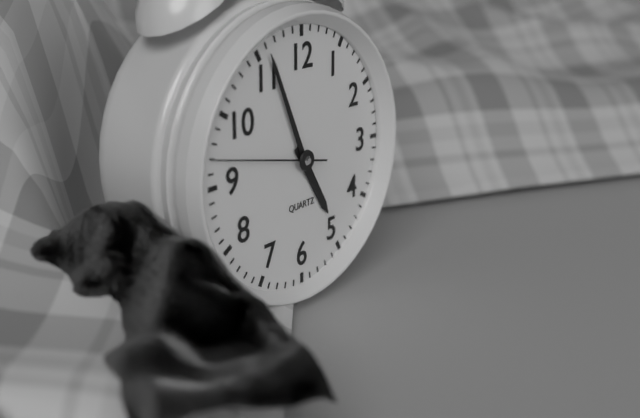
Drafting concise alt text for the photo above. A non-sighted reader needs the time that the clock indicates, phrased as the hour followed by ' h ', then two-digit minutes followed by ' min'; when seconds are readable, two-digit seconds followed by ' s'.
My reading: 4 h 56 min 47 s
